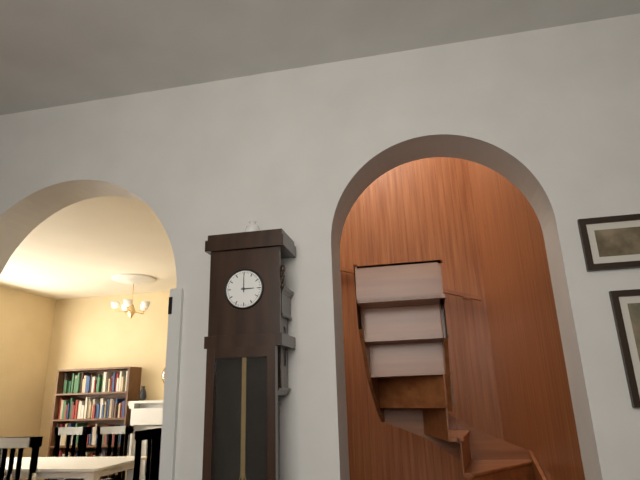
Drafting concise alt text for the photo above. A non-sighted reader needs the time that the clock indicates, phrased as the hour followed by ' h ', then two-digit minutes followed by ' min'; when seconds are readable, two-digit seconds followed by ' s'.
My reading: 3 h 00 min
